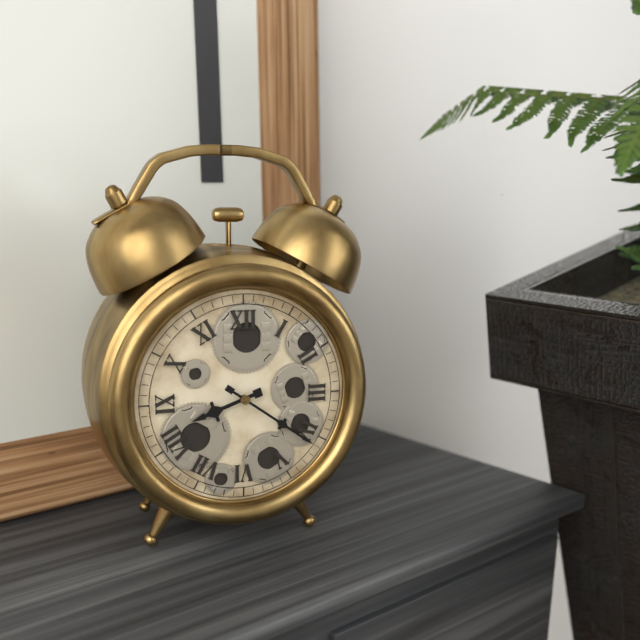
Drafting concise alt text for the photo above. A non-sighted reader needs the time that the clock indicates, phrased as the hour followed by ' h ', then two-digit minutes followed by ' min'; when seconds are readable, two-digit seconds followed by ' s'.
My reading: 8 h 21 min
